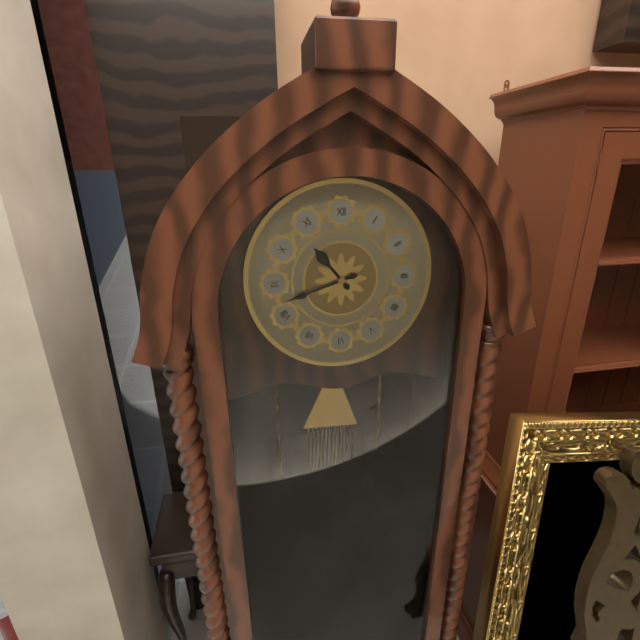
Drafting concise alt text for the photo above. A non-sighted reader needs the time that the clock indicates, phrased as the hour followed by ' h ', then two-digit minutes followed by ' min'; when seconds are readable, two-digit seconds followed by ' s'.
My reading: 10 h 42 min
